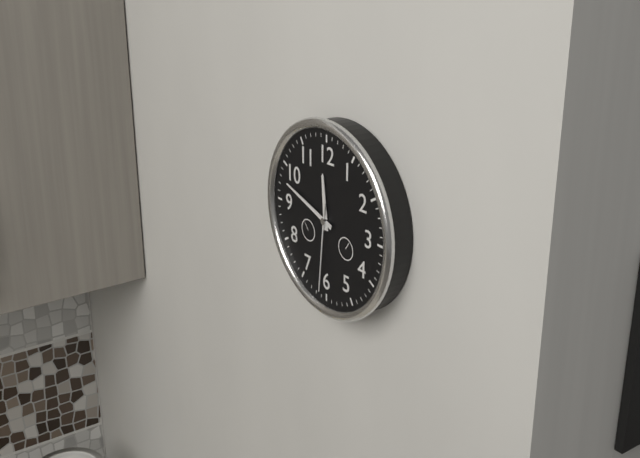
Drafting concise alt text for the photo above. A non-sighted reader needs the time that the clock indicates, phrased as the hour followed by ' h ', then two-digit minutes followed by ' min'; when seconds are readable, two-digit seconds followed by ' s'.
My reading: 11 h 48 min 31 s
